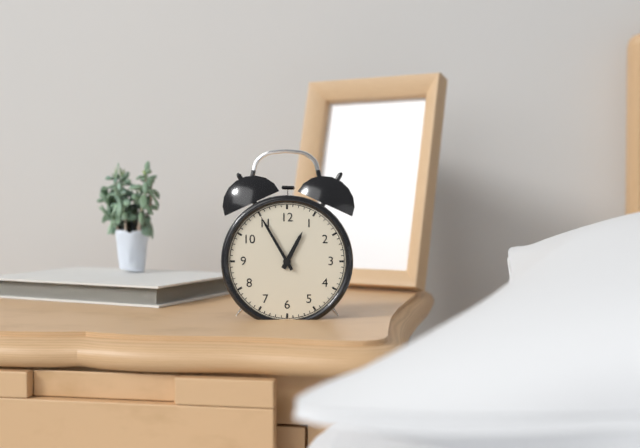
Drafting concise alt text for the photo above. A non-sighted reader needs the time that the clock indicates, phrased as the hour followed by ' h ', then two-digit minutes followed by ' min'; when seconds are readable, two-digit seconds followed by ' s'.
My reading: 12 h 55 min
